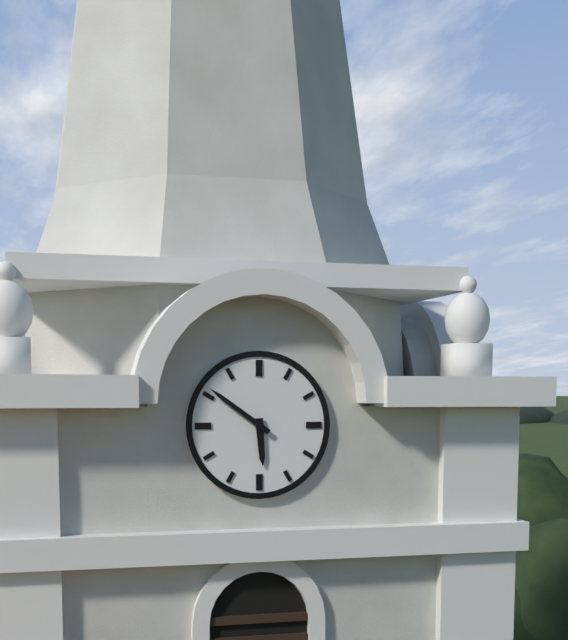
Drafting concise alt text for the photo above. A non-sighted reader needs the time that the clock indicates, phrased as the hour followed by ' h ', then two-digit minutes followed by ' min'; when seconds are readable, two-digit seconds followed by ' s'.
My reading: 5 h 51 min
